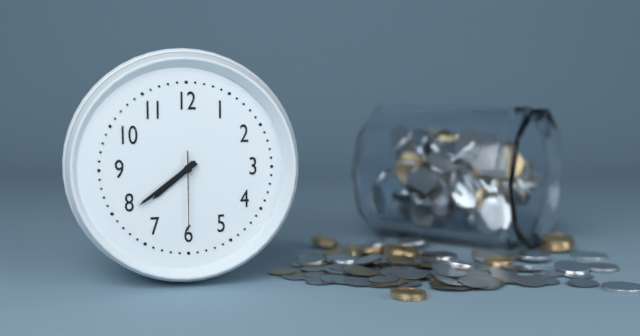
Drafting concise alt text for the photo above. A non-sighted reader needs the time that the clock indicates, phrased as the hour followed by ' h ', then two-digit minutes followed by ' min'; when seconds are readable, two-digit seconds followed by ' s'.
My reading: 7 h 39 min 30 s
